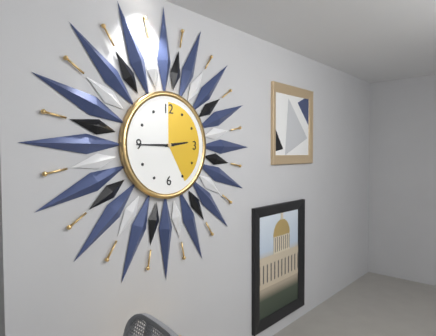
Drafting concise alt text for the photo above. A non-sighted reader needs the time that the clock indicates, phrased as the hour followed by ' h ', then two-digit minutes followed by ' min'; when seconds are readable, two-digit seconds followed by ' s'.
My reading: 2 h 45 min
